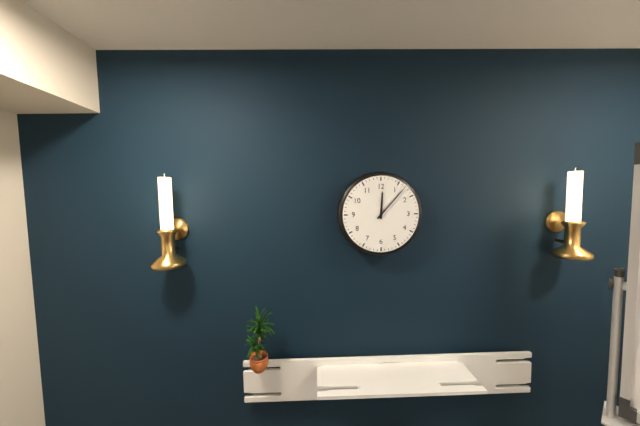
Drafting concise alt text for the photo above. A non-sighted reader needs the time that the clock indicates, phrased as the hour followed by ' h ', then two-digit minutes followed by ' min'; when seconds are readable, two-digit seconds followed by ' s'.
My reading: 12 h 07 min
